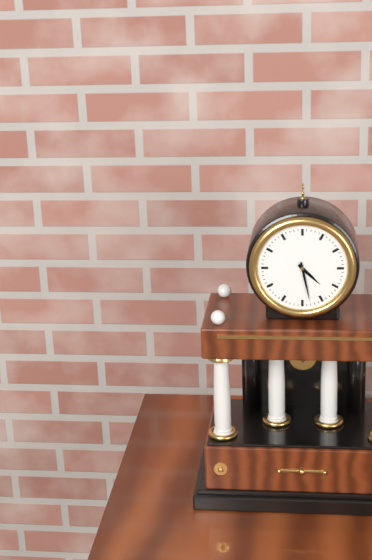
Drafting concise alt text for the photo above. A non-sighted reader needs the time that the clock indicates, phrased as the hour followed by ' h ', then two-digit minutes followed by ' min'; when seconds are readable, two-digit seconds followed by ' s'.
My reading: 4 h 28 min
